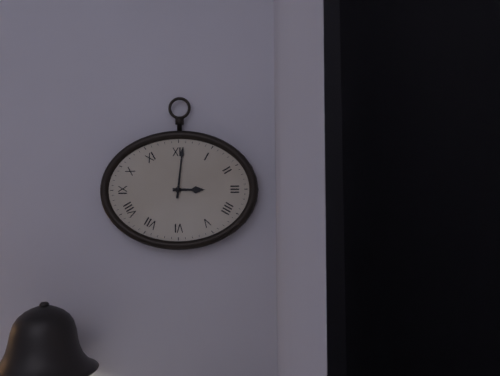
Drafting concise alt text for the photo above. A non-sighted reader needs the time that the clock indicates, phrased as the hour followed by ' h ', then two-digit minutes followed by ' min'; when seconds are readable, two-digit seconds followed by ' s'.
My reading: 3 h 01 min
